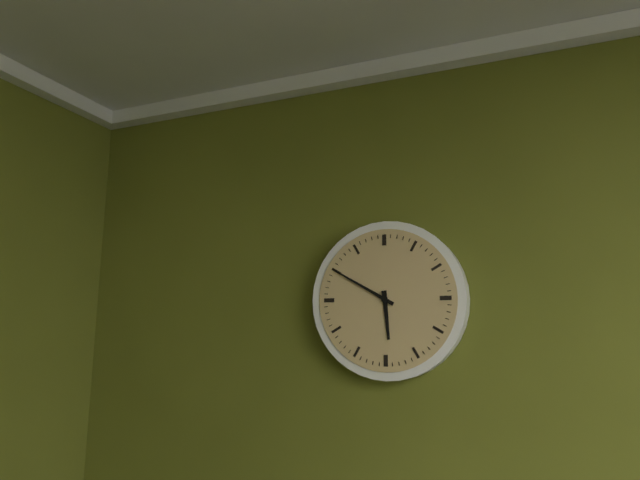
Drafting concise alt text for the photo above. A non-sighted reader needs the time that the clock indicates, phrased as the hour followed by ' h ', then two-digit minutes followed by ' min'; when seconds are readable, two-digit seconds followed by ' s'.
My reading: 5 h 50 min
